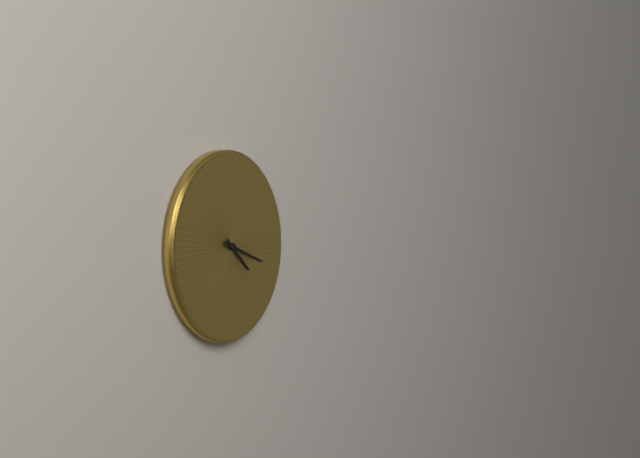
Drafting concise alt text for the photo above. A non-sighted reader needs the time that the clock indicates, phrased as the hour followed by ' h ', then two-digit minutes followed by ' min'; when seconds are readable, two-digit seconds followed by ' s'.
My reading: 4 h 18 min
